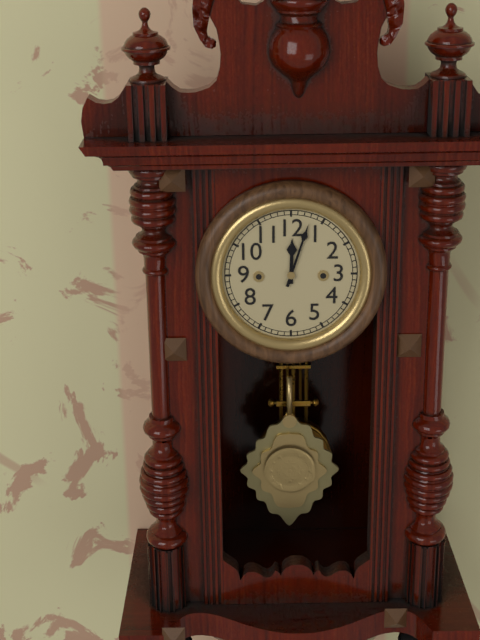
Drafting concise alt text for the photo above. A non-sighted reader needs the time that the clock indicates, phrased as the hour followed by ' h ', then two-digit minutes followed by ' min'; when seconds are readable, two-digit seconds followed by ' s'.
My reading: 12 h 03 min
